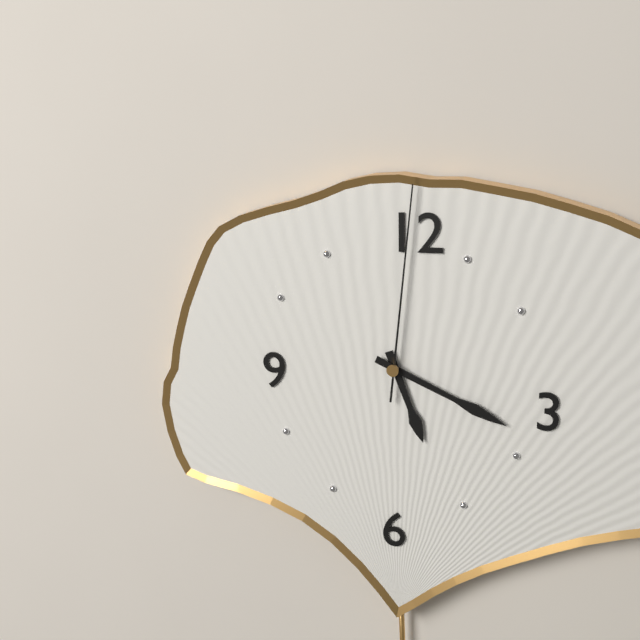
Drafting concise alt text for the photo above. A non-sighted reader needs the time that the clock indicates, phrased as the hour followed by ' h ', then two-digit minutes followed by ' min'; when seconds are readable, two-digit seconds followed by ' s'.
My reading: 5 h 19 min 01 s
